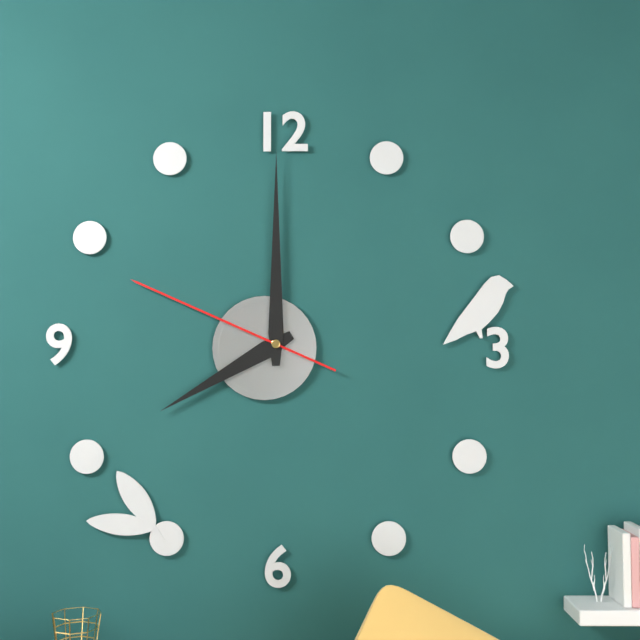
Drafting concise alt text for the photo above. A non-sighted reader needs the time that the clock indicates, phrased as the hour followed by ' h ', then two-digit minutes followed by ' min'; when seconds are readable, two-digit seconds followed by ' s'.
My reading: 8 h 00 min 49 s
